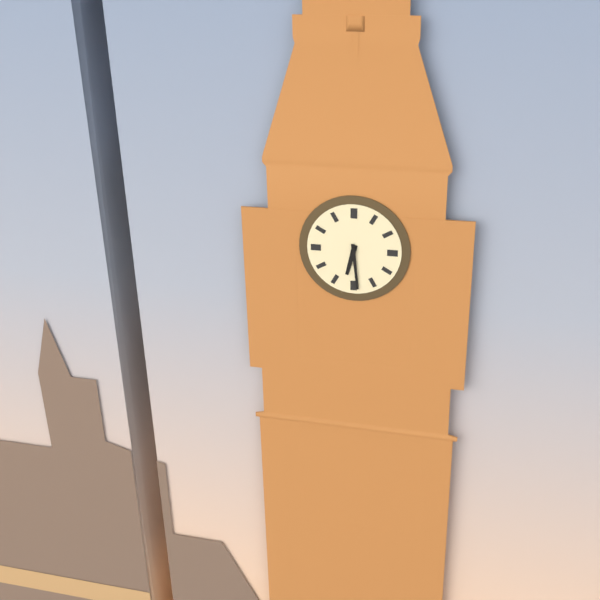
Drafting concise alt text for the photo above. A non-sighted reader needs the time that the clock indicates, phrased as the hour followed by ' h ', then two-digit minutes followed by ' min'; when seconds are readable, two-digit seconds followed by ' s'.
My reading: 6 h 29 min
